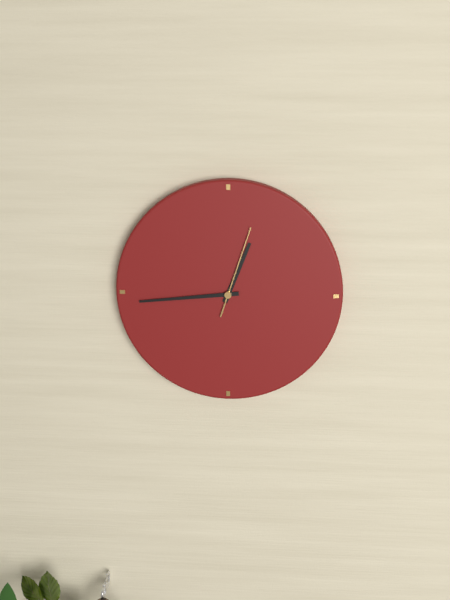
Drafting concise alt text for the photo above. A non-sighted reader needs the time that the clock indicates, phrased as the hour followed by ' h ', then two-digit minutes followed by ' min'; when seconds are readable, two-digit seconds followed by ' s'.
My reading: 12 h 44 min 03 s
